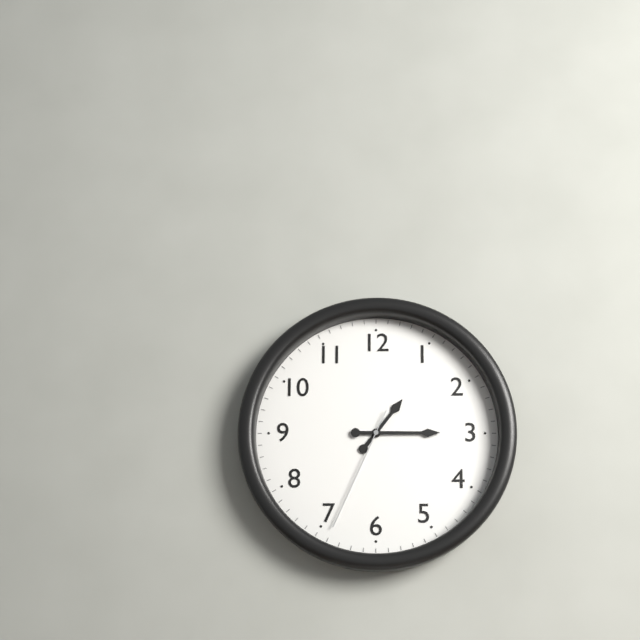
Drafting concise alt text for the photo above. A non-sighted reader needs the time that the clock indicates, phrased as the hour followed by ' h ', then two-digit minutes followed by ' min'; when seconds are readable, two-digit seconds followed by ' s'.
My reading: 1 h 15 min 34 s
